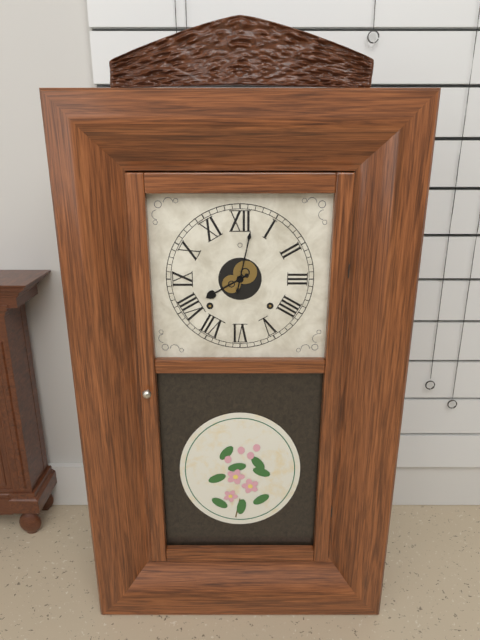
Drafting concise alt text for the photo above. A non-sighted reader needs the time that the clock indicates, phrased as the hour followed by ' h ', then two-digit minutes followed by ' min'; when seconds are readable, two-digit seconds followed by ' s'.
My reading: 8 h 02 min
